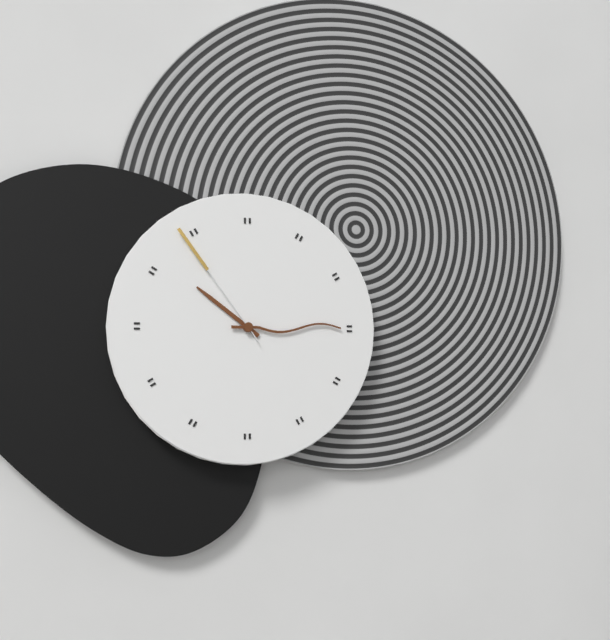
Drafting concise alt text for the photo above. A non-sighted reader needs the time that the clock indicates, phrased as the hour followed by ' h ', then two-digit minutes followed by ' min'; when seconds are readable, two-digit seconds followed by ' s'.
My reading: 10 h 15 min 54 s
